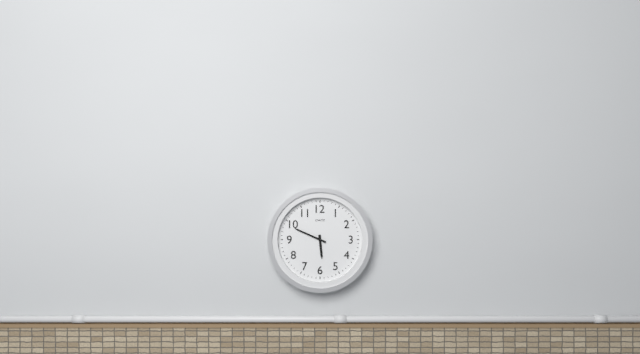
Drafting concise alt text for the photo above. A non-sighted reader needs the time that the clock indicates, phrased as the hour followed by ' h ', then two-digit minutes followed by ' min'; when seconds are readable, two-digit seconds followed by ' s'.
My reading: 5 h 49 min
